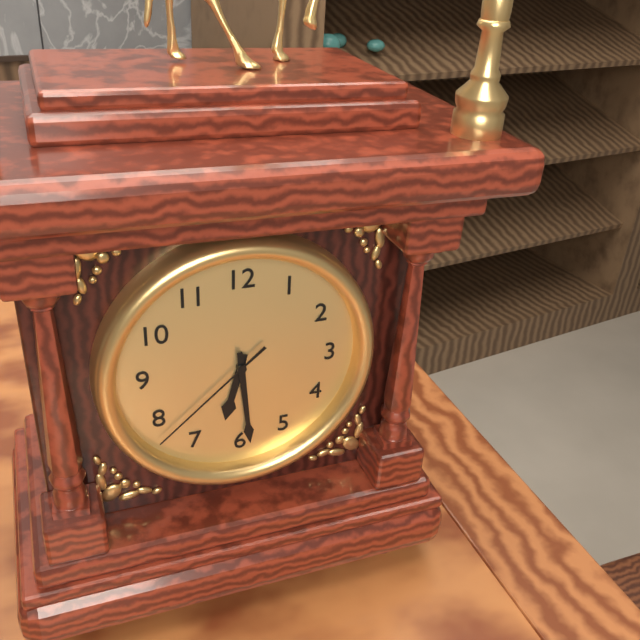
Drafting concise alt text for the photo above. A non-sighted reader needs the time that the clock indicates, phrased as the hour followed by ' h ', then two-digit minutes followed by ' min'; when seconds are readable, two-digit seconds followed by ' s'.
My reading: 6 h 29 min 38 s
